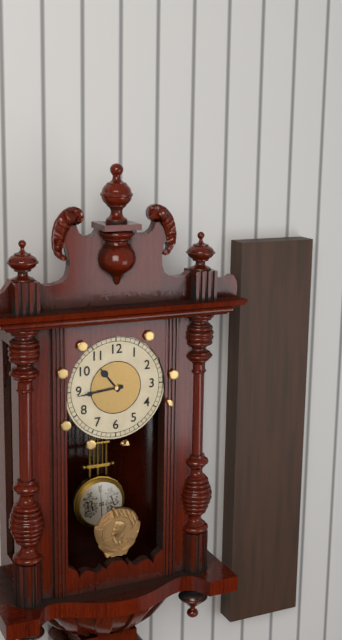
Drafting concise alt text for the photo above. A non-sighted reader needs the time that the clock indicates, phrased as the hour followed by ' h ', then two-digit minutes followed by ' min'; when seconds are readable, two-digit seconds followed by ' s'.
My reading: 10 h 44 min
